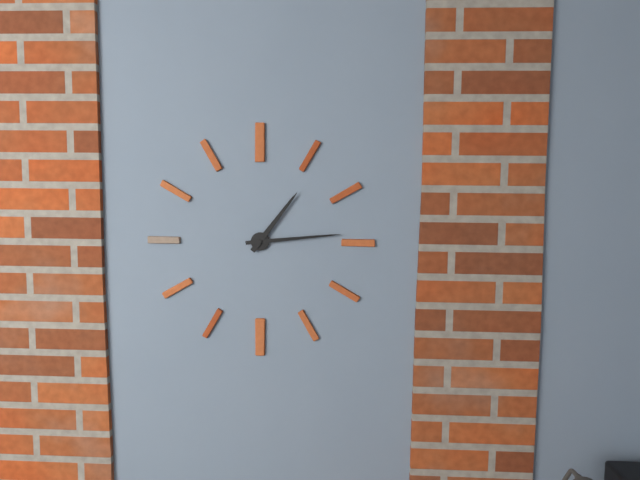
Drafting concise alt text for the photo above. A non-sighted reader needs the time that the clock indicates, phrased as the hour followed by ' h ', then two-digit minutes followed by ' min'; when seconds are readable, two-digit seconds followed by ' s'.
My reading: 1 h 14 min
